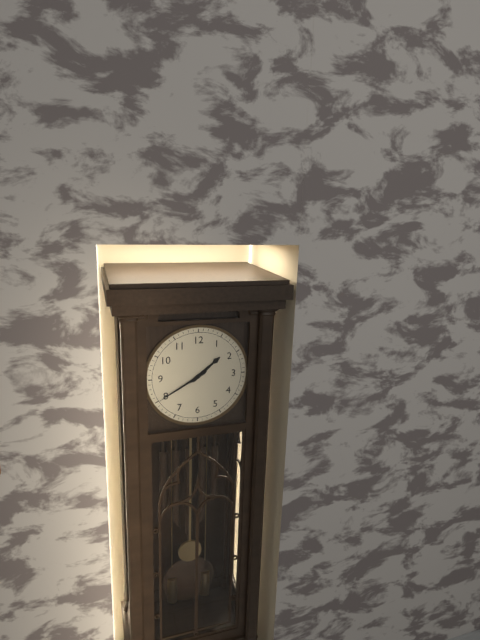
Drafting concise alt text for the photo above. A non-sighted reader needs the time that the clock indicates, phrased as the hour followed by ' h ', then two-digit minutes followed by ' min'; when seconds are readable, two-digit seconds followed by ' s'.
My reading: 1 h 40 min
